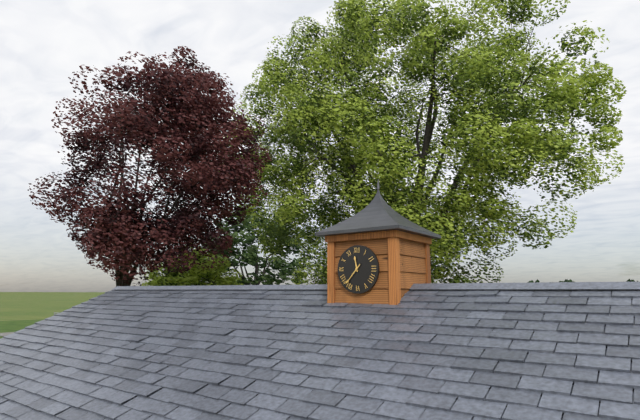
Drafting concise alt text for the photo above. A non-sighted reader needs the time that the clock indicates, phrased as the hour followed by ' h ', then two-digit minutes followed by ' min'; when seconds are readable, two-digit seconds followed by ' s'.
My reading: 11 h 37 min
